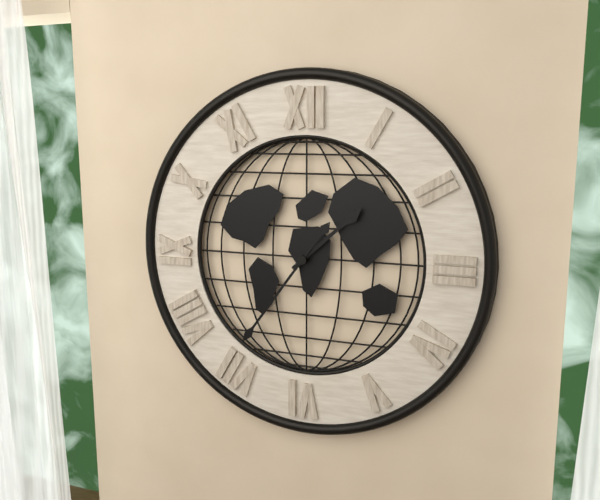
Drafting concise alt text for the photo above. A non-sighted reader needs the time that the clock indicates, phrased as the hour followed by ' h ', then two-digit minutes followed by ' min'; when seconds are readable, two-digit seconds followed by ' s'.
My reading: 1 h 36 min
